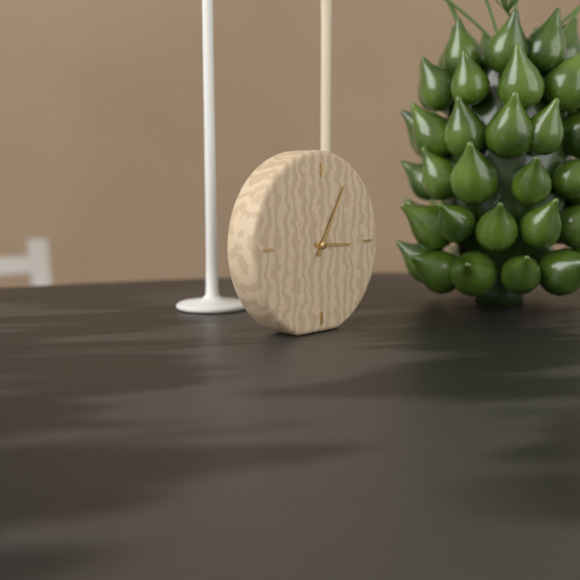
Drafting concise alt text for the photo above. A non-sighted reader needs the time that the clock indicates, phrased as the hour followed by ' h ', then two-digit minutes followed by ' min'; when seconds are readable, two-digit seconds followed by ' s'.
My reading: 3 h 05 min
